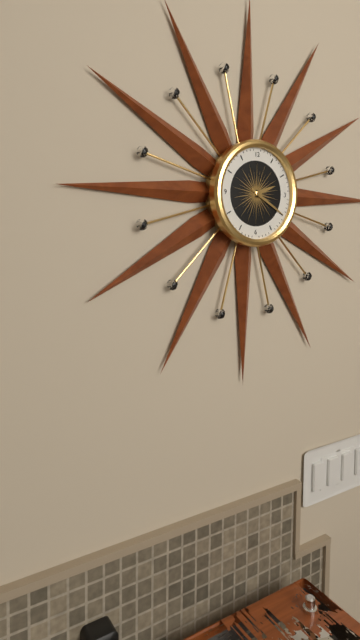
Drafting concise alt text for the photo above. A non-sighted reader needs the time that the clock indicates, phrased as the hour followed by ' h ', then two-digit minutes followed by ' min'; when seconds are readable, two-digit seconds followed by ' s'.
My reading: 2 h 20 min
